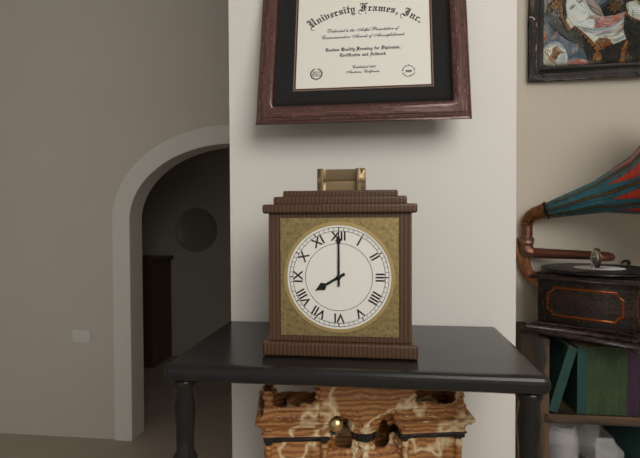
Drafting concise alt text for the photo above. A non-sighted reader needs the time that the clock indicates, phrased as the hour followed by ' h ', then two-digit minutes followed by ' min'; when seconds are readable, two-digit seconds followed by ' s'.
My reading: 8 h 00 min
